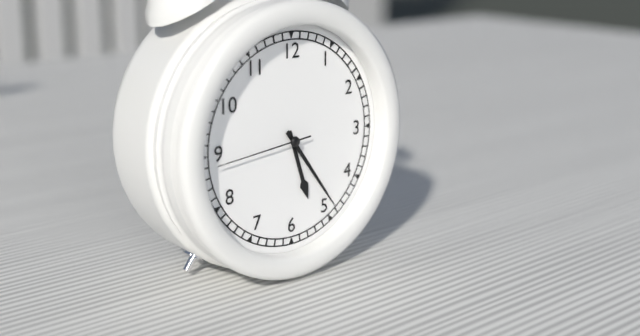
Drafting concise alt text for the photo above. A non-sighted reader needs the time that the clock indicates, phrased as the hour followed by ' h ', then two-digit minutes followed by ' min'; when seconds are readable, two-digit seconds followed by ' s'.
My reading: 5 h 24 min 44 s
